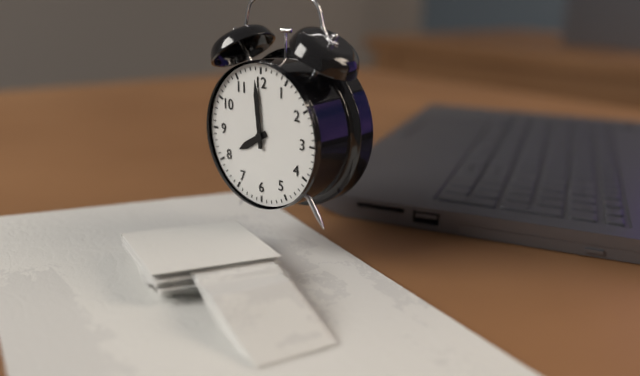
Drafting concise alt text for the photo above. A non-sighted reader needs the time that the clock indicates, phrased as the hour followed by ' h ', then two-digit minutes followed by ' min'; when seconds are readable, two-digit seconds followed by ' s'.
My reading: 7 h 59 min
